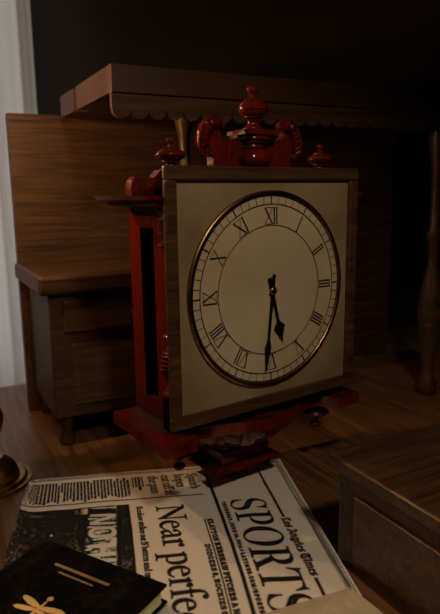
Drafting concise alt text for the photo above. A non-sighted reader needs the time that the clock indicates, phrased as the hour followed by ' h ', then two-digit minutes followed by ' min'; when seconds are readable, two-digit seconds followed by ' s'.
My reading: 5 h 31 min
